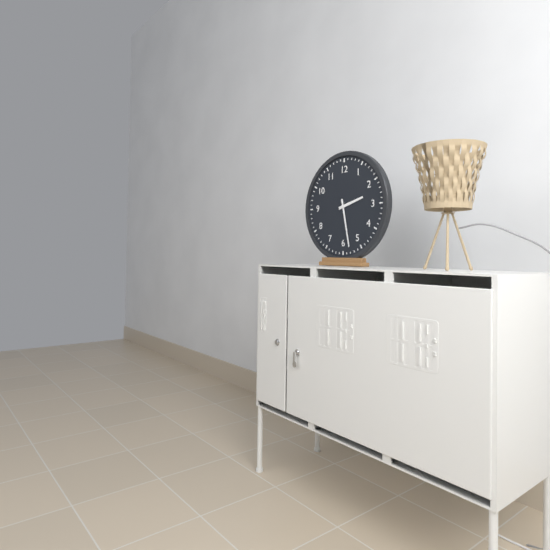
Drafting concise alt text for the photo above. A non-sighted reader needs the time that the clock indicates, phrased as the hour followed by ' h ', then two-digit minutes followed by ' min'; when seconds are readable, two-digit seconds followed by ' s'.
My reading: 2 h 28 min
